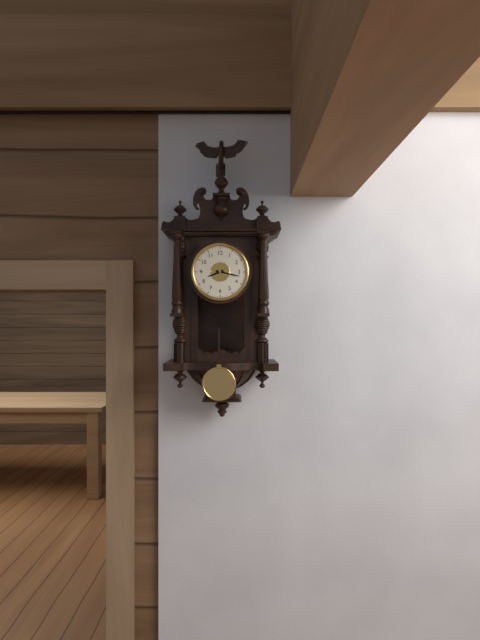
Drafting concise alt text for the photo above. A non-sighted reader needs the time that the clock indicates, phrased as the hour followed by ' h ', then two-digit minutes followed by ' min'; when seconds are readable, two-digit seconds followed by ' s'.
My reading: 8 h 17 min
